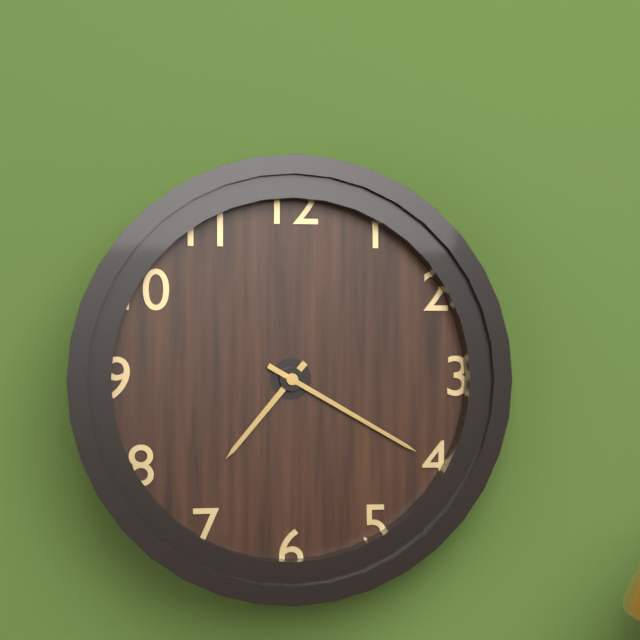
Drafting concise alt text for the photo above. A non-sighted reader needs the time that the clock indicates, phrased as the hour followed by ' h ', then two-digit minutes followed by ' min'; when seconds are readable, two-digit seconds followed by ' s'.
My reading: 7 h 20 min
